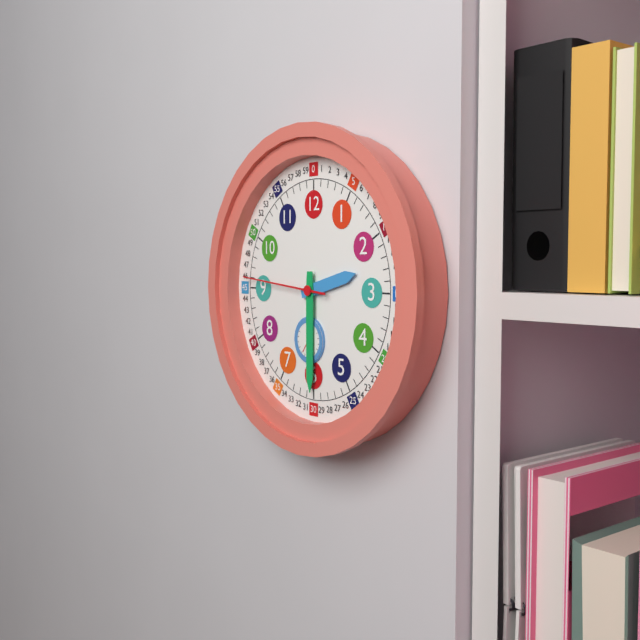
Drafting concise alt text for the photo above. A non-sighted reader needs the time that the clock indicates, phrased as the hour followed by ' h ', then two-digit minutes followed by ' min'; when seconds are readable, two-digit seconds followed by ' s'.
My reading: 2 h 30 min 46 s
